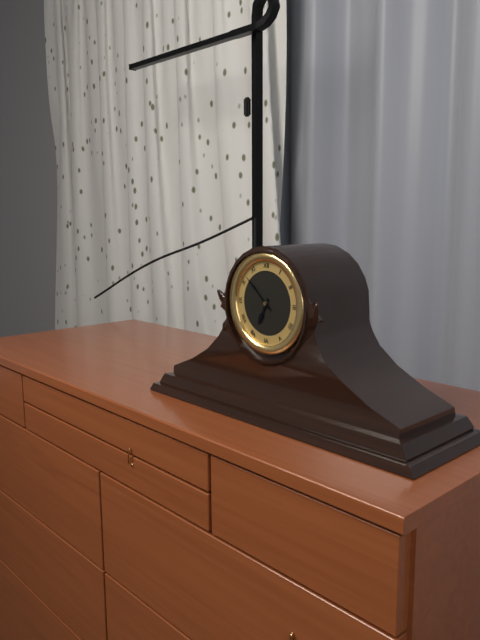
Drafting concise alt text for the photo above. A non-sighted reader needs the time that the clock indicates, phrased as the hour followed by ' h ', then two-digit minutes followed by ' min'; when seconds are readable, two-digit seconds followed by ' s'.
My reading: 6 h 52 min
